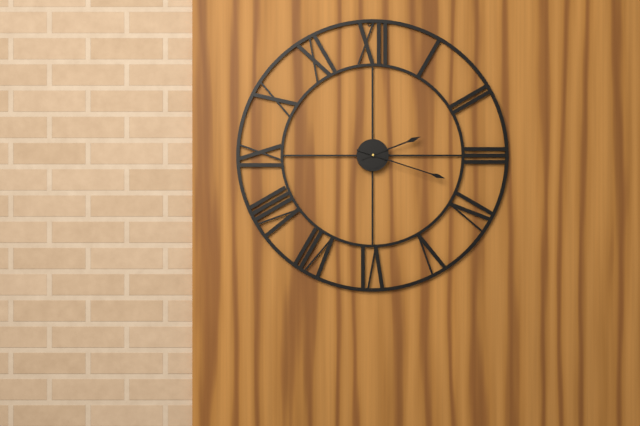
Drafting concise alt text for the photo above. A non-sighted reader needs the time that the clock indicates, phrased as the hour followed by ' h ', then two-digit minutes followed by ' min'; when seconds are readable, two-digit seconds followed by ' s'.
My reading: 2 h 18 min
